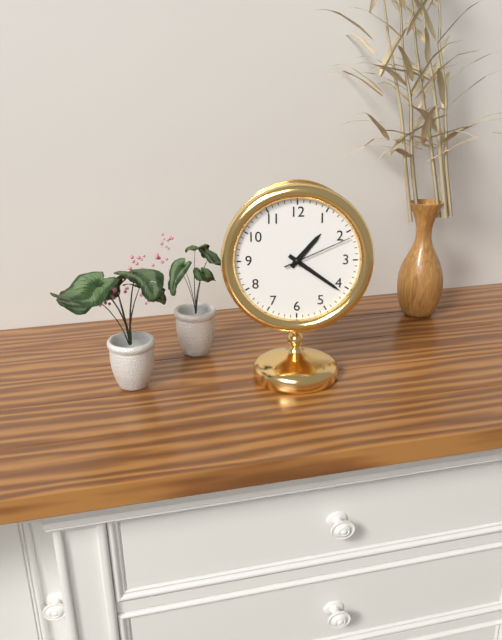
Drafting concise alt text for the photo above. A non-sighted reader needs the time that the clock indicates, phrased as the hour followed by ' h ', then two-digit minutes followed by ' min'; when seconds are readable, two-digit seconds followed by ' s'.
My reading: 1 h 21 min 11 s
